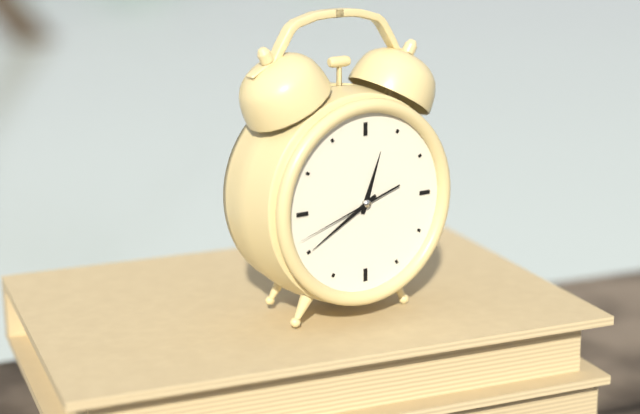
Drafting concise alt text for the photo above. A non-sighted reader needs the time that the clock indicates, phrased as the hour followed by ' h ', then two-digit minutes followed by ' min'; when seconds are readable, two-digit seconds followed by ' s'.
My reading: 12 h 40 min 42 s
